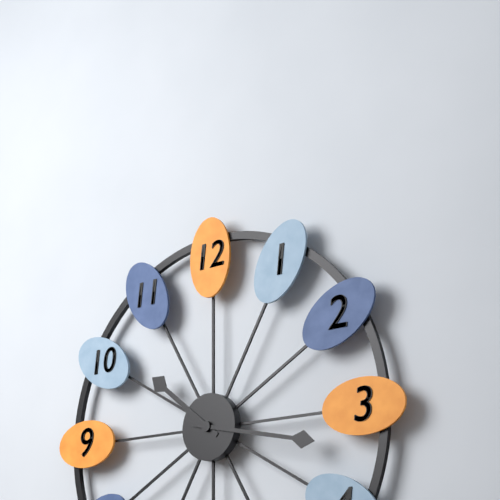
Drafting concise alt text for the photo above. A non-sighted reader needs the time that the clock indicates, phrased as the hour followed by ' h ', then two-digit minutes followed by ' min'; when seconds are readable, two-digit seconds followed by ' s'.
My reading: 10 h 17 min
